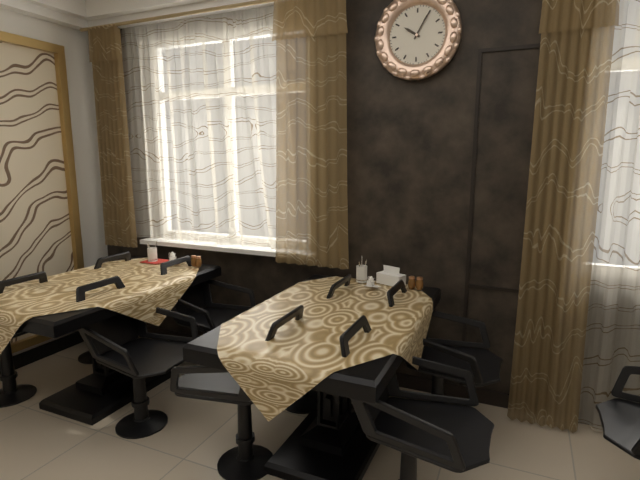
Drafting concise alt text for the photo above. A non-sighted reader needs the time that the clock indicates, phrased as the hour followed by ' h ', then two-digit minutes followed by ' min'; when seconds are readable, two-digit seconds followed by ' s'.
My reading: 10 h 05 min
